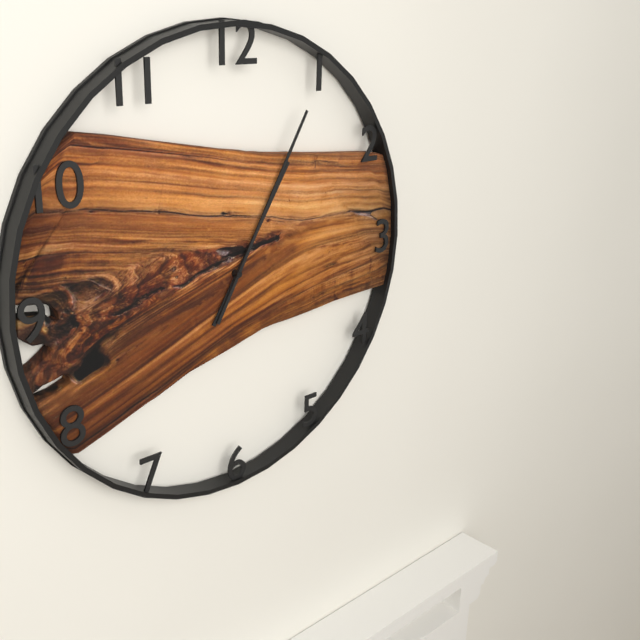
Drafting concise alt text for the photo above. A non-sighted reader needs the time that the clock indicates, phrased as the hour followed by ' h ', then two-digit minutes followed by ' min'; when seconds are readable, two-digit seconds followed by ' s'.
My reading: 1 h 05 min
